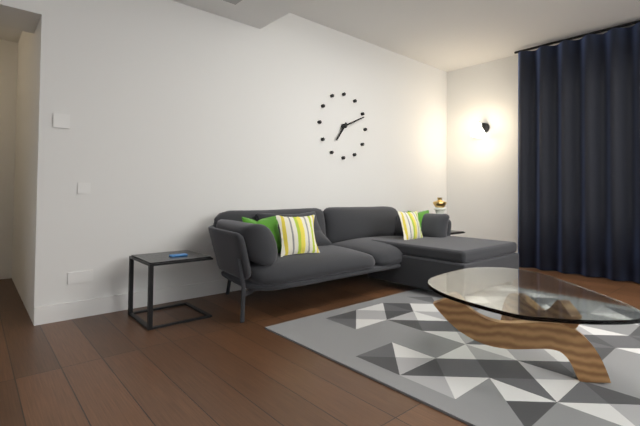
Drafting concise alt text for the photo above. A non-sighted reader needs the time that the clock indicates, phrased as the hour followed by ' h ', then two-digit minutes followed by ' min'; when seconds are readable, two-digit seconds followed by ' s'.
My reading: 7 h 11 min
